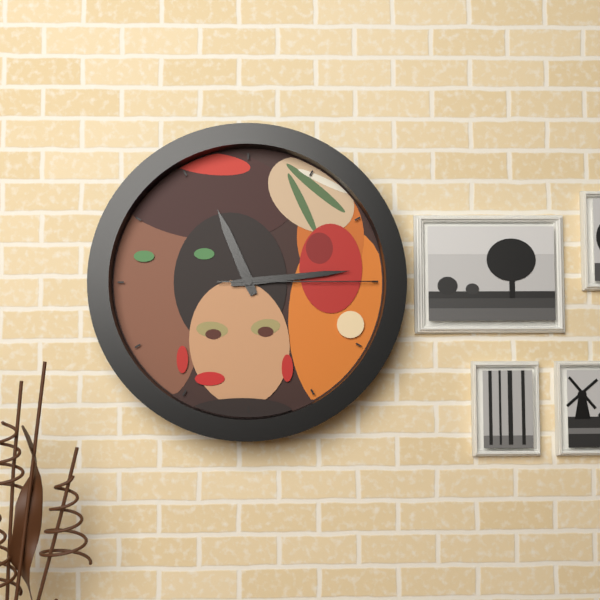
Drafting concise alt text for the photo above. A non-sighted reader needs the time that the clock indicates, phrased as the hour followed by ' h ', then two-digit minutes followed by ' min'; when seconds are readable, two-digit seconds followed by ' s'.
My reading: 11 h 14 min 15 s
